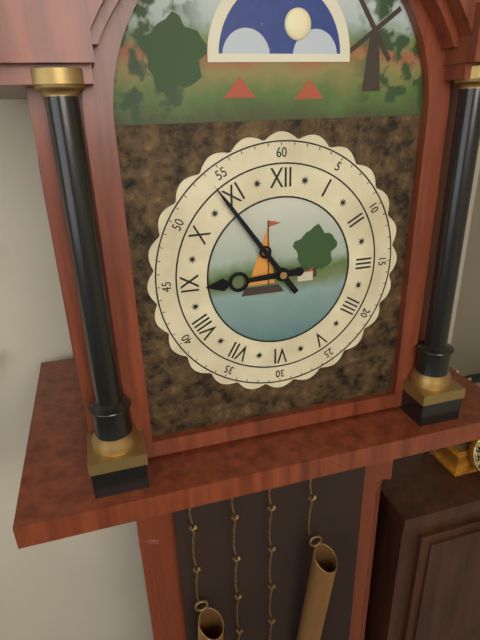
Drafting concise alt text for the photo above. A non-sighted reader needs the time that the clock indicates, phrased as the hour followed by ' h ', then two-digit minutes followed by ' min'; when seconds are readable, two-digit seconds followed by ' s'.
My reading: 8 h 54 min
